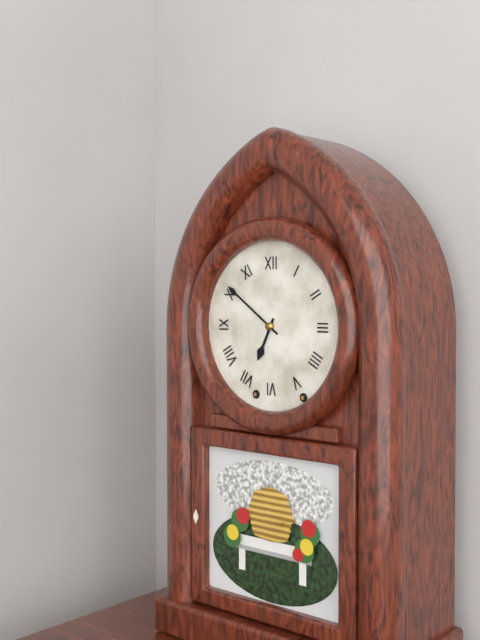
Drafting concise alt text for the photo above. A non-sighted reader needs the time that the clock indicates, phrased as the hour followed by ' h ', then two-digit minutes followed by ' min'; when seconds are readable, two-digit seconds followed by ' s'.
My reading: 6 h 51 min
